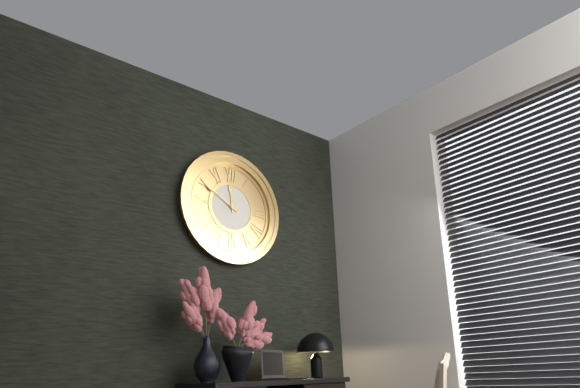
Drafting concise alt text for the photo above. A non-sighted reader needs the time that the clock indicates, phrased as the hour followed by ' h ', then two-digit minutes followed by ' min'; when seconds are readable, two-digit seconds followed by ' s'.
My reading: 11 h 50 min
